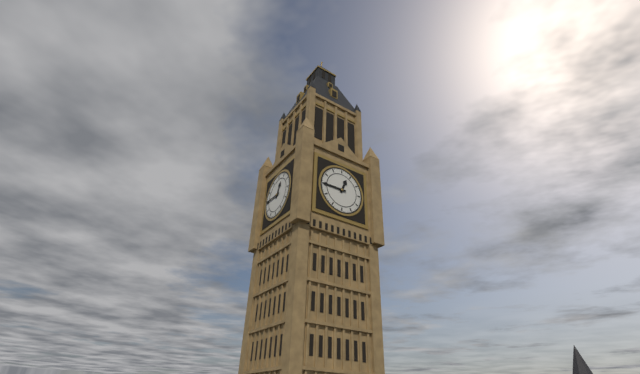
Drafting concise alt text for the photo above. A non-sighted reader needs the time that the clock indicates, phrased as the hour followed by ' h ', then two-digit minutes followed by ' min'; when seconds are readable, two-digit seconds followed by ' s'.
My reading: 12 h 45 min
